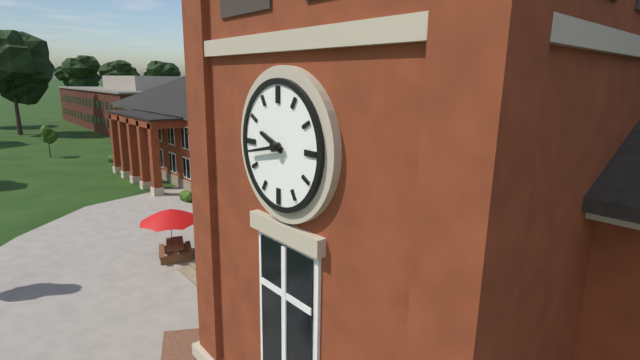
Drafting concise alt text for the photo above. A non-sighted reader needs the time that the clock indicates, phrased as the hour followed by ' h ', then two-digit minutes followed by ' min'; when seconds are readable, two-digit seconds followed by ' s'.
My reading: 9 h 43 min
